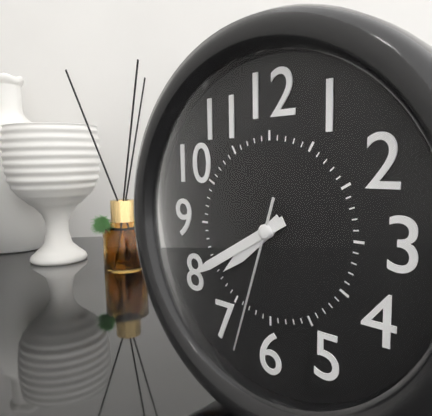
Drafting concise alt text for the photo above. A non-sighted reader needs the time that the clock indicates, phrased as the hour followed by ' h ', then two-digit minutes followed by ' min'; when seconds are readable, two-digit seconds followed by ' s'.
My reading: 7 h 40 min 33 s
